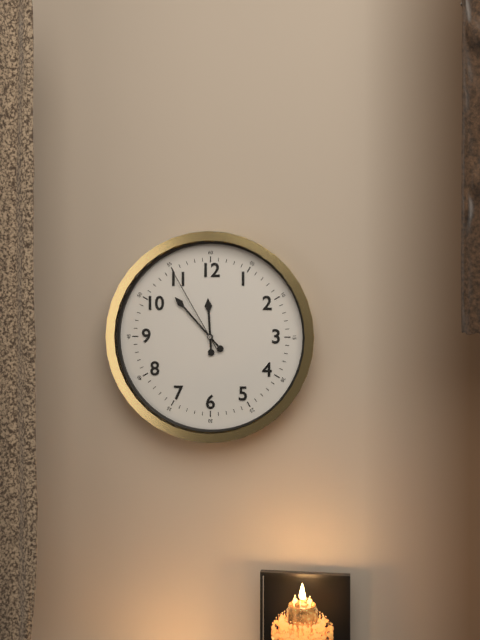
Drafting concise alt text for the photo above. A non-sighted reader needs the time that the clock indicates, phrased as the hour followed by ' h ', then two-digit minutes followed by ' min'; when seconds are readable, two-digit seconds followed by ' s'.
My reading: 11 h 53 min 55 s
